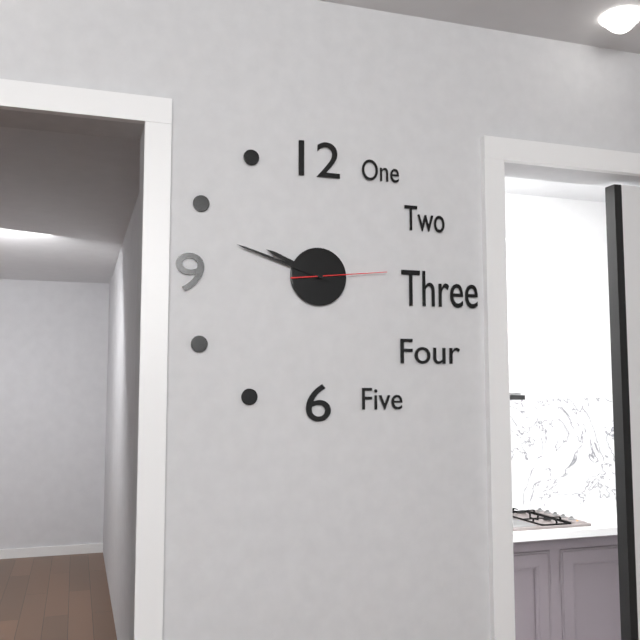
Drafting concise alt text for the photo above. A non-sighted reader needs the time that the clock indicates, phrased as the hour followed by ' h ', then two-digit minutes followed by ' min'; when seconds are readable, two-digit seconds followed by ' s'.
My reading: 9 h 48 min 14 s
